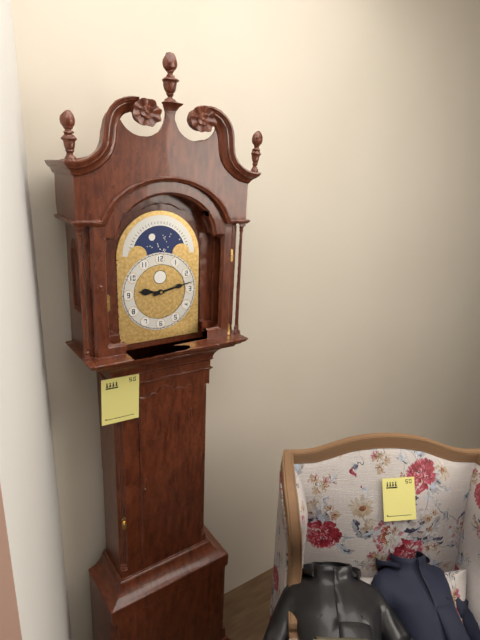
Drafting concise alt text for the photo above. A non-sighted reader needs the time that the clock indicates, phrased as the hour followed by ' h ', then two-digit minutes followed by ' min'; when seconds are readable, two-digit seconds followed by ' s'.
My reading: 9 h 13 min
